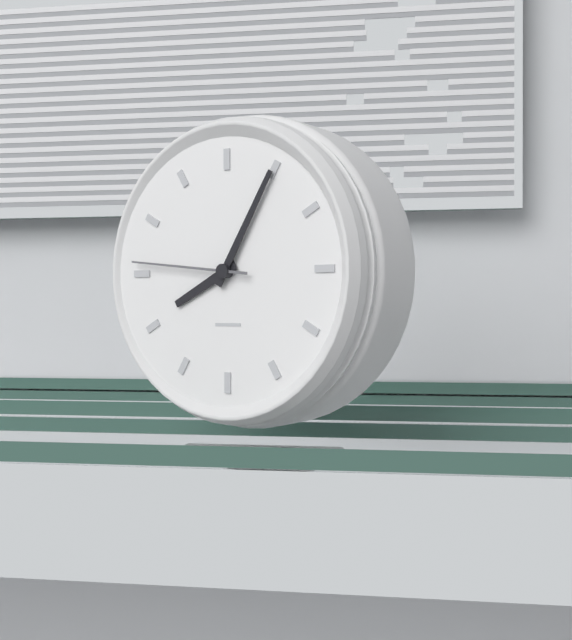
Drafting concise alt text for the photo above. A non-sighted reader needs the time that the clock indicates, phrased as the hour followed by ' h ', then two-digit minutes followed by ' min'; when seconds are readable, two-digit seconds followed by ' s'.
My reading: 8 h 05 min 46 s
